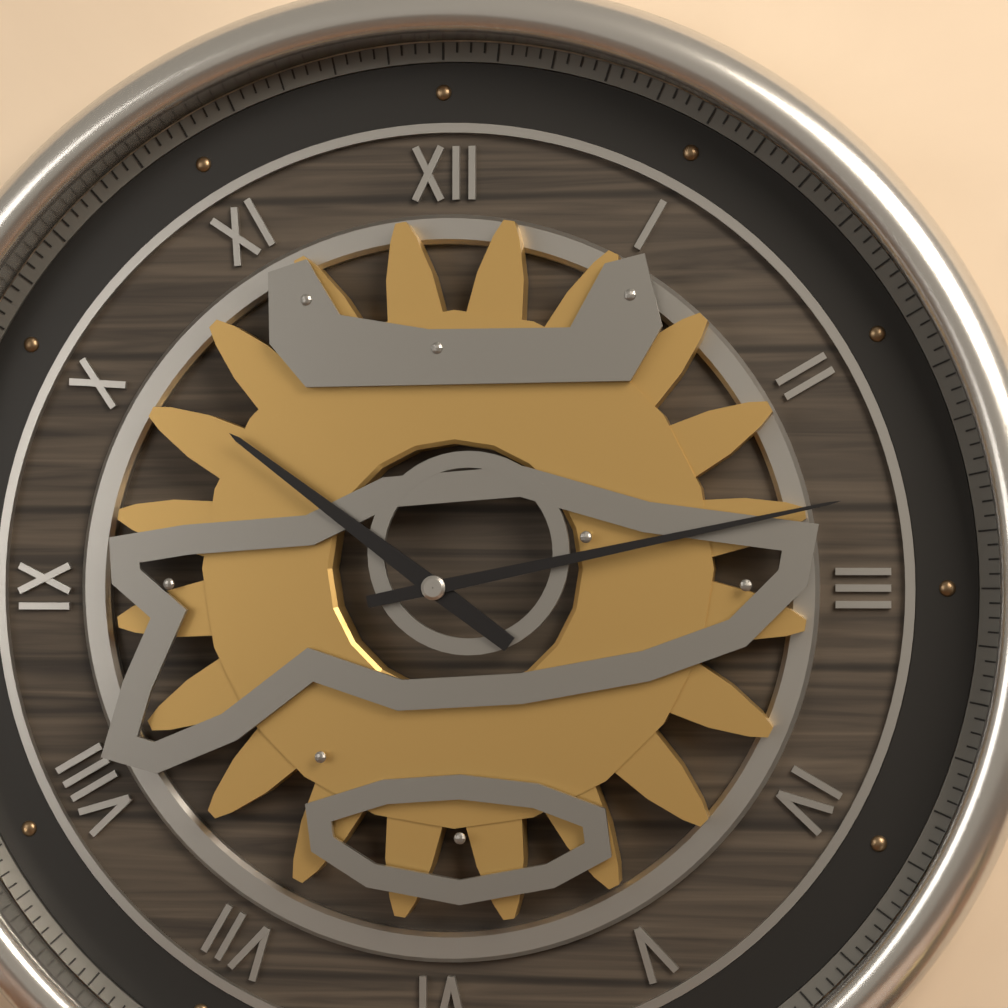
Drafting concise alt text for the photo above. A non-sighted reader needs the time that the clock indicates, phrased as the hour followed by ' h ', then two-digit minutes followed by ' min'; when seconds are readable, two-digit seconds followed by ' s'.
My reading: 10 h 13 min
